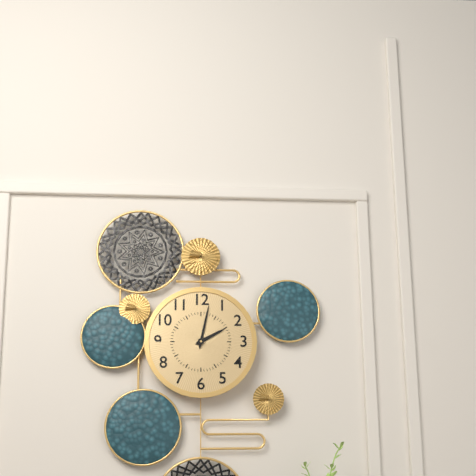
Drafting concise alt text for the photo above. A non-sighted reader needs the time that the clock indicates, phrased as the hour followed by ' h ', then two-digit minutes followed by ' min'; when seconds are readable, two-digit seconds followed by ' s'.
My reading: 2 h 02 min
